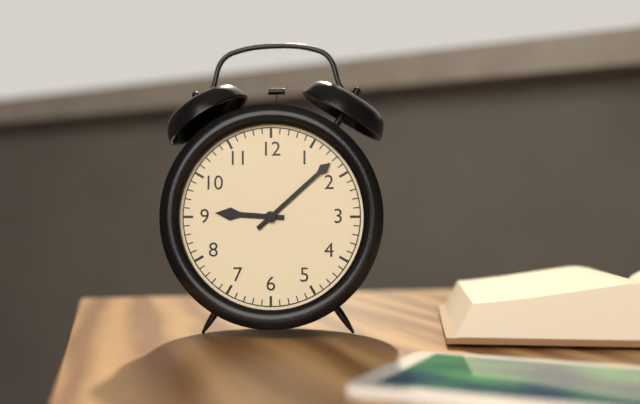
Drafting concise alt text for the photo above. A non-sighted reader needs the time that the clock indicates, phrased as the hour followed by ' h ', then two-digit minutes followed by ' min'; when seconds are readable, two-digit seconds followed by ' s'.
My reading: 9 h 08 min
